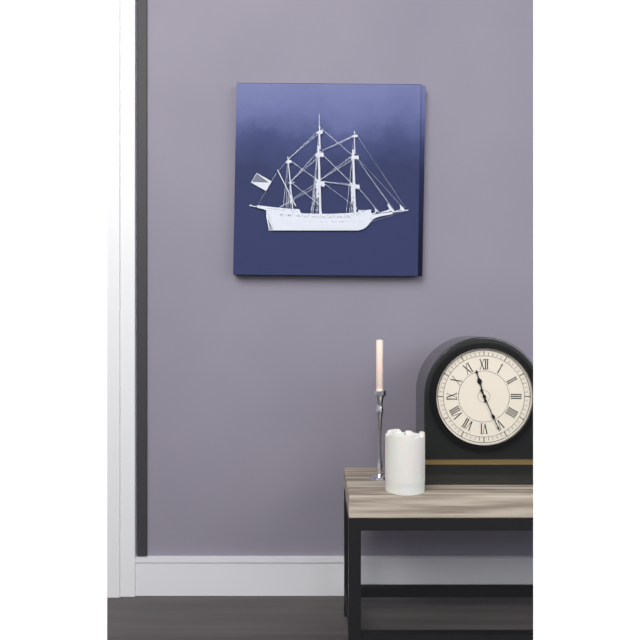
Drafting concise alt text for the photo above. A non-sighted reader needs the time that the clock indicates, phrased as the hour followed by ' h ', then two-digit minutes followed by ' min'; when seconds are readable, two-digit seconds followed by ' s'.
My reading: 11 h 26 min
